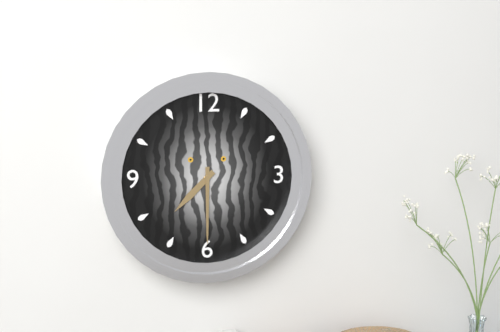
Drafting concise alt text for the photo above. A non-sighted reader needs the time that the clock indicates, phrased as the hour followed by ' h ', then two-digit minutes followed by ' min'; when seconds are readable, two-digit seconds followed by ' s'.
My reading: 7 h 30 min
